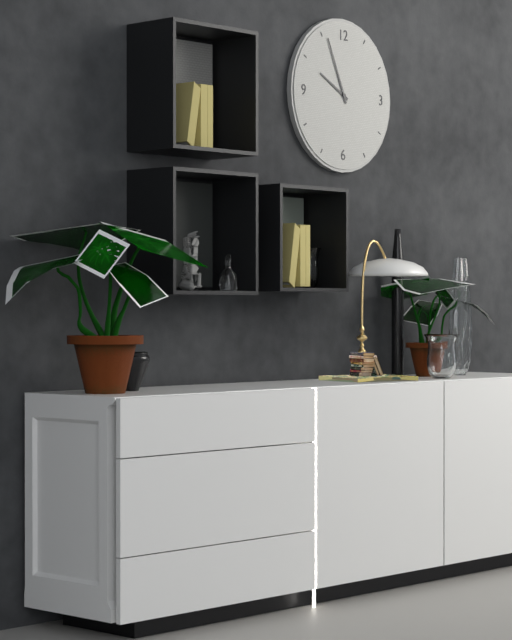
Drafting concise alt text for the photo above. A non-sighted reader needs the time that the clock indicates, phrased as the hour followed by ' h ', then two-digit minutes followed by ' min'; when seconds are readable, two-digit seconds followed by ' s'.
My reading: 9 h 56 min
